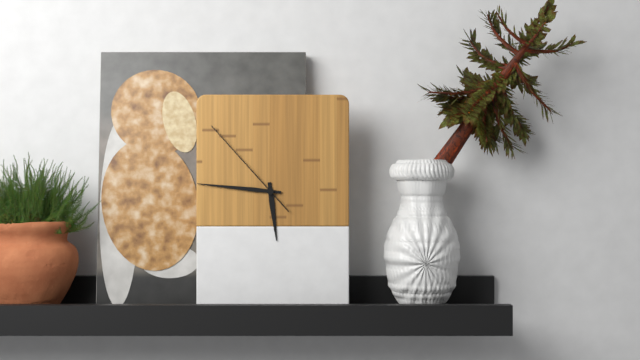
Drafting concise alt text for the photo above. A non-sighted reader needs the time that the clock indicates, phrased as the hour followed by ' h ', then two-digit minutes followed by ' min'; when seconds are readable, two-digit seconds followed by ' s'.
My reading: 5 h 46 min 53 s
